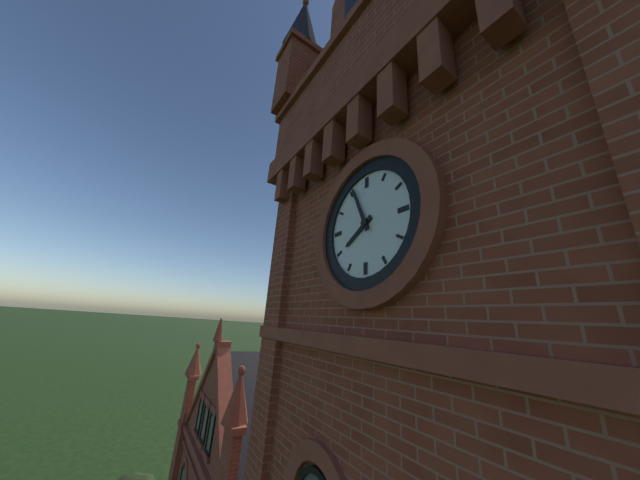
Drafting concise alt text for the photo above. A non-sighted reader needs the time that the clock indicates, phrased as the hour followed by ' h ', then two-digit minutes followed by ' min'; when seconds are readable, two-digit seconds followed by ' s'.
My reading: 7 h 56 min
